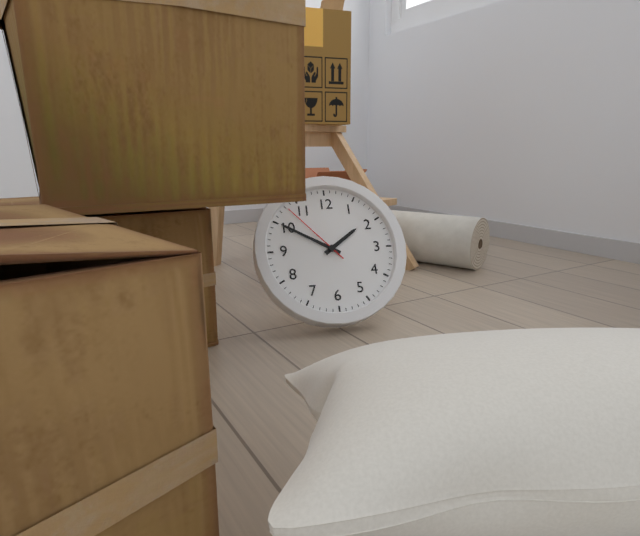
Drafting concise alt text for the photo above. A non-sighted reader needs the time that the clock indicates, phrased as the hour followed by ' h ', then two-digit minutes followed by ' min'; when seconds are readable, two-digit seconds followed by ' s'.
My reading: 1 h 50 min 53 s
